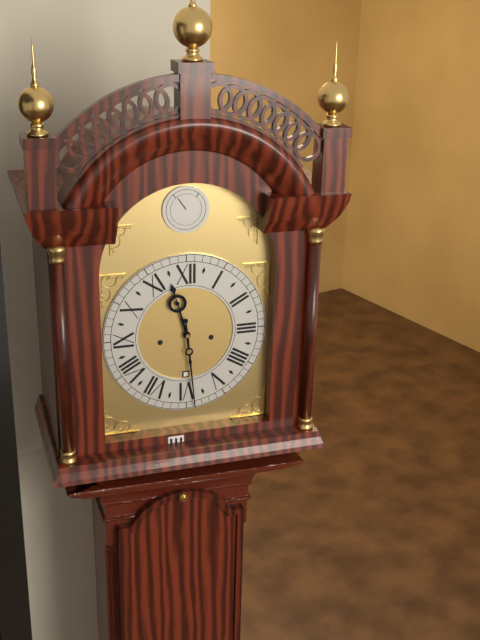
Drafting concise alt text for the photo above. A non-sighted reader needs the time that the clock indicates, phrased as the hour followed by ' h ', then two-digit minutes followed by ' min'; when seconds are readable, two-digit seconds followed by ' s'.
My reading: 11 h 29 min
